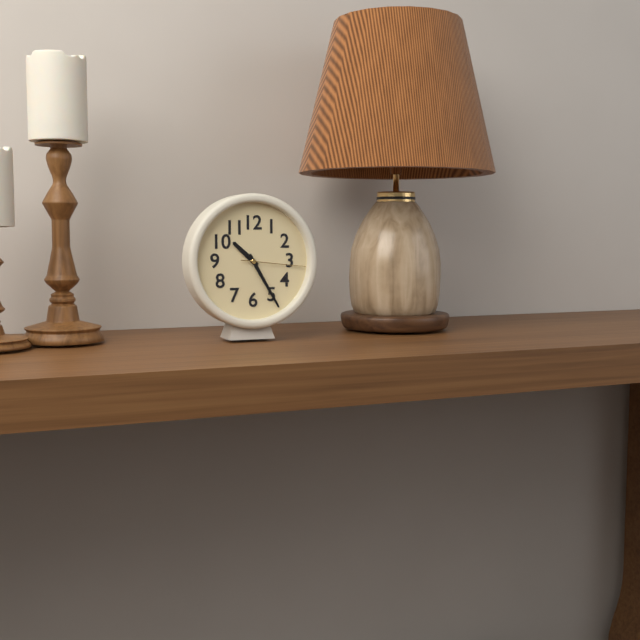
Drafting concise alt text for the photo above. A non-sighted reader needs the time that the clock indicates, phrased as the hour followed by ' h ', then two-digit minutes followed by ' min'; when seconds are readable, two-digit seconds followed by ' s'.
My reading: 10 h 25 min 16 s
